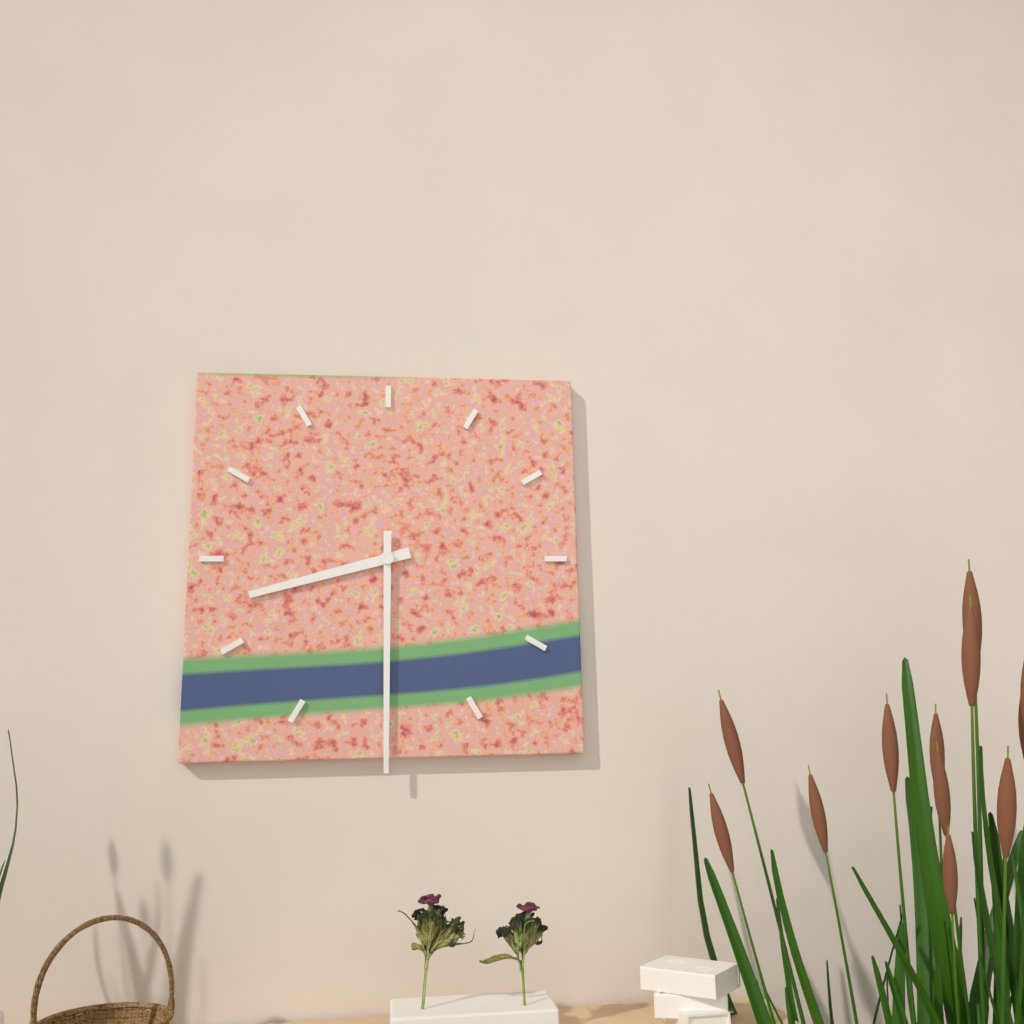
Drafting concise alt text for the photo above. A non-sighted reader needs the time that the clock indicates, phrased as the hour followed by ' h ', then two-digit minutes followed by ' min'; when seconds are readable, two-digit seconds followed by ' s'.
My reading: 8 h 30 min
